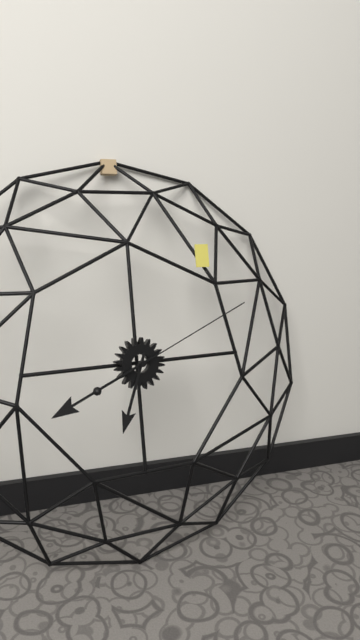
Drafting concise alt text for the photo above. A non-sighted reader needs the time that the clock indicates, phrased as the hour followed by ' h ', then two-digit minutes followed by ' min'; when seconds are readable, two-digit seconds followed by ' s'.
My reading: 6 h 41 min 11 s
